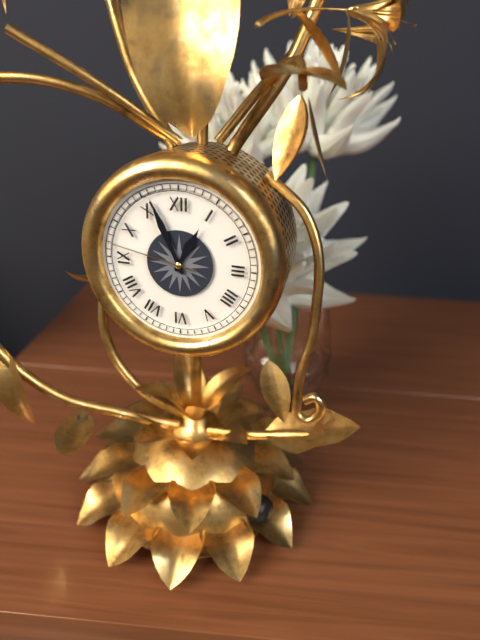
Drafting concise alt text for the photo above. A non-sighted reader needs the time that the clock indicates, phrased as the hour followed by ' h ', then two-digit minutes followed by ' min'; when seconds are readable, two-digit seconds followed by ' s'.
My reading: 12 h 56 min 47 s
